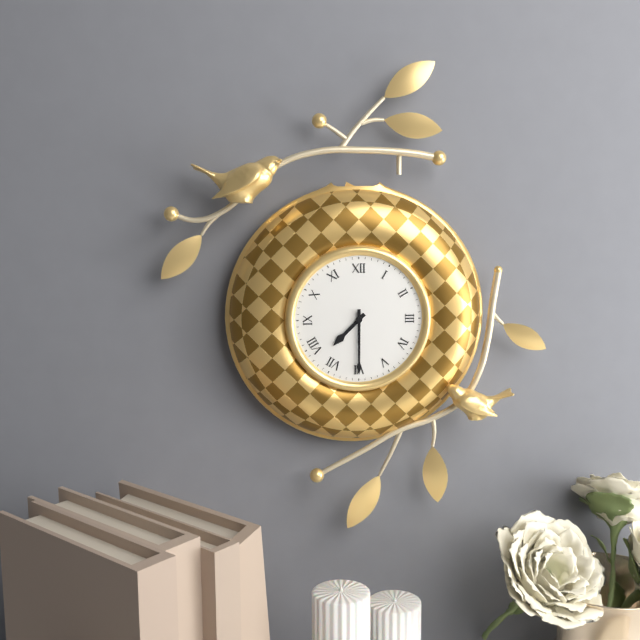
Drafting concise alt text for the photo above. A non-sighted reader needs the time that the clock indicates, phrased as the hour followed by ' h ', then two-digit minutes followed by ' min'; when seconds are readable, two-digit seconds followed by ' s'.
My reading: 7 h 30 min
